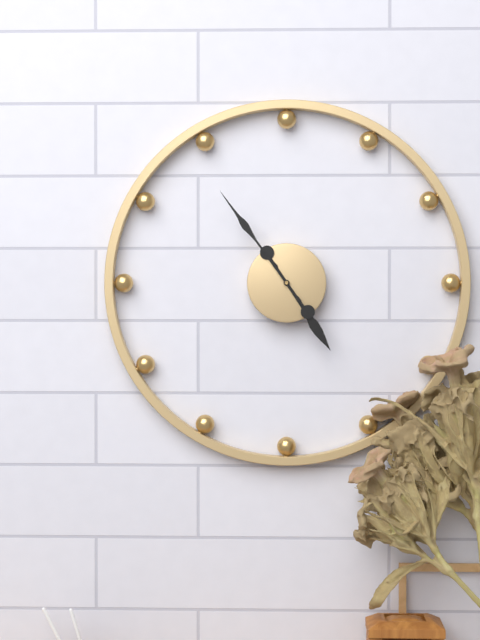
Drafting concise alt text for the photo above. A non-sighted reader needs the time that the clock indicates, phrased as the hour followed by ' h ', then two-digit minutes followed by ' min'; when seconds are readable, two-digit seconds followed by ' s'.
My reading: 4 h 54 min
